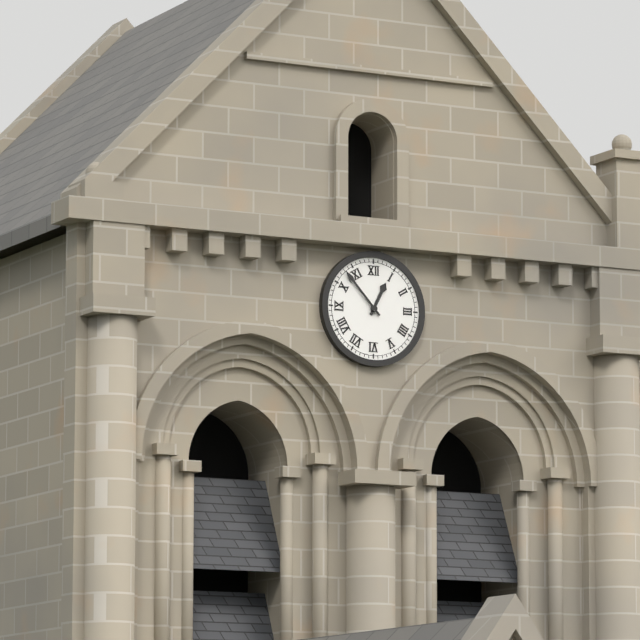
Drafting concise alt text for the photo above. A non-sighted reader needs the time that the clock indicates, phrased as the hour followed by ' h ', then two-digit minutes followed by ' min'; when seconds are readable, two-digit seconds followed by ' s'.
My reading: 12 h 53 min
